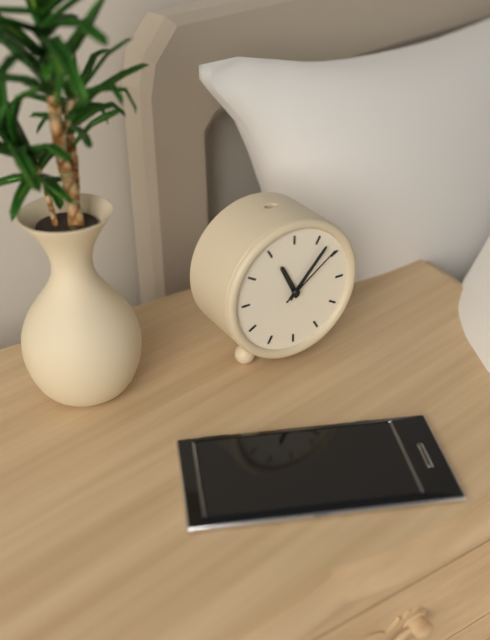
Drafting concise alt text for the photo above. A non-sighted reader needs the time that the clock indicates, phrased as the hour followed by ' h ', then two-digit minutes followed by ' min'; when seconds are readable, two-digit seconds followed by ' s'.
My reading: 11 h 07 min 09 s
